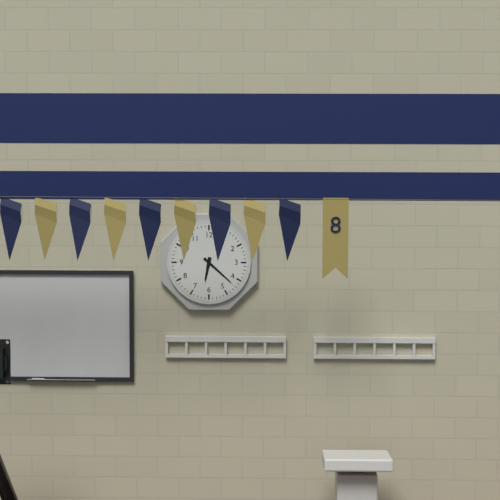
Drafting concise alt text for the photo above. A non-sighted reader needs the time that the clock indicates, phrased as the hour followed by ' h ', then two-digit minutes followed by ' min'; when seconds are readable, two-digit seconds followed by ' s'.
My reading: 6 h 22 min
